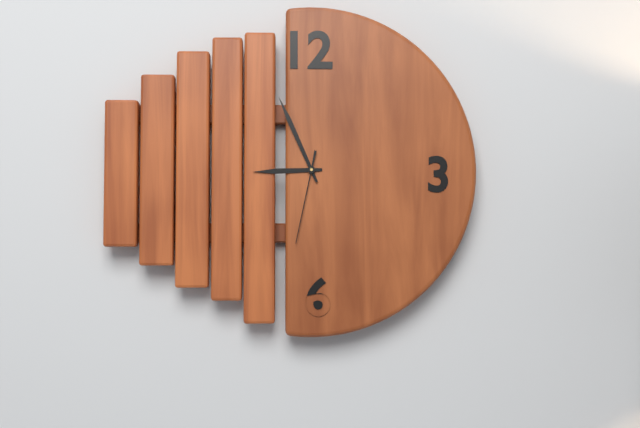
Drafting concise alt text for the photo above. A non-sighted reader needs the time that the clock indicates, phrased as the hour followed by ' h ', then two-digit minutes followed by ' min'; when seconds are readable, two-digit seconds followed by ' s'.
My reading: 8 h 56 min 32 s
